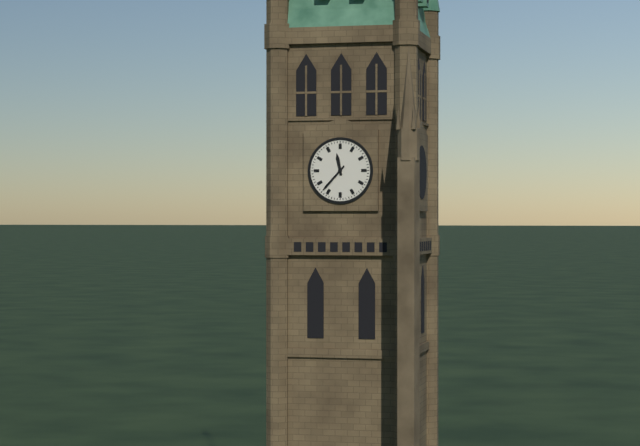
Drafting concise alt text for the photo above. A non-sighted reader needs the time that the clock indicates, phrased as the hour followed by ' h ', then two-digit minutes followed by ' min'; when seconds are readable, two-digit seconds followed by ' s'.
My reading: 11 h 37 min
